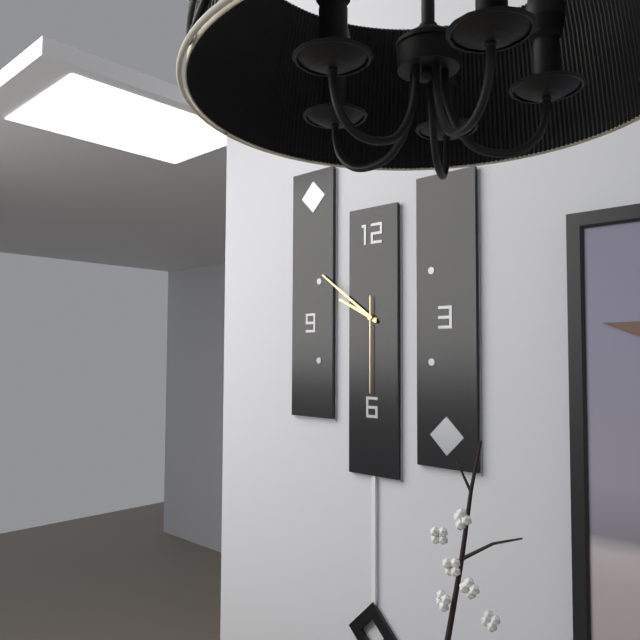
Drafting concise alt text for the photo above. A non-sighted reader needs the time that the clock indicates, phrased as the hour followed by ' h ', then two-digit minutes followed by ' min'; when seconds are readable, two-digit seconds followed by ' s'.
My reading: 9 h 51 min 30 s
